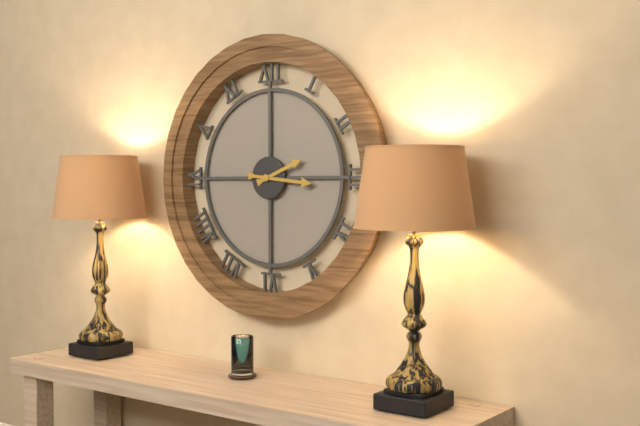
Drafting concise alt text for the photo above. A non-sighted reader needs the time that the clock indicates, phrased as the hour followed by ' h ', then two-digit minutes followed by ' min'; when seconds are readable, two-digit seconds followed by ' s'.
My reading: 2 h 16 min
